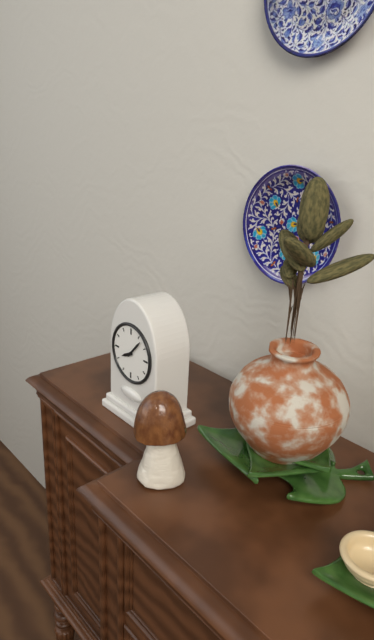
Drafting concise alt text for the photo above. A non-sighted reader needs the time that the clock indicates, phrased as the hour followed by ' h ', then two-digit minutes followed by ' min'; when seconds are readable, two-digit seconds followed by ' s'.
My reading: 8 h 07 min
